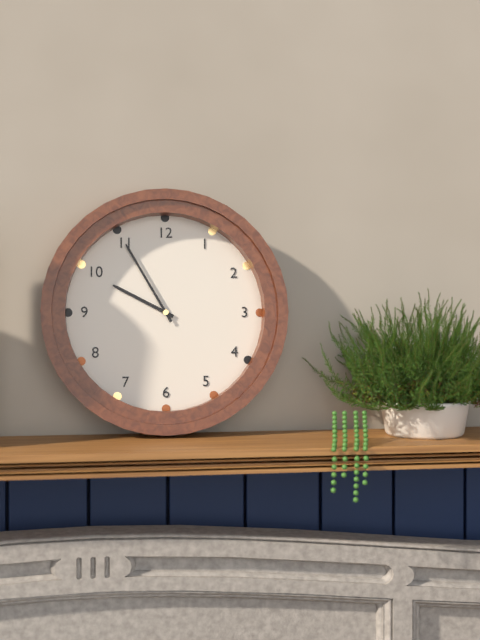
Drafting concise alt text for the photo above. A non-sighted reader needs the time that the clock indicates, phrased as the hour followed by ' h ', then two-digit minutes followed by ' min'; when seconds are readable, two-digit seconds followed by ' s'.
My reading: 9 h 55 min
